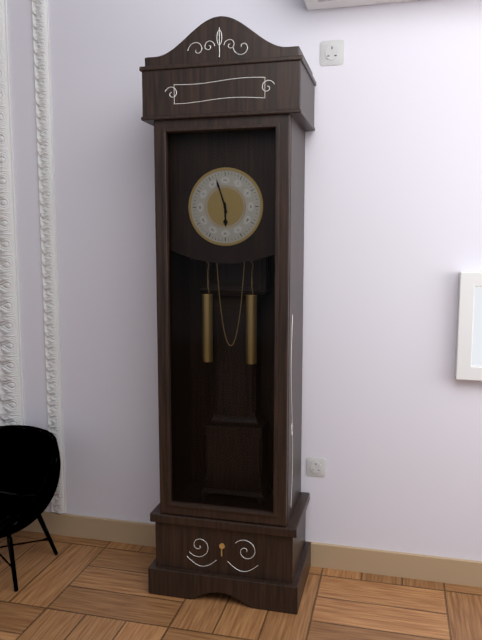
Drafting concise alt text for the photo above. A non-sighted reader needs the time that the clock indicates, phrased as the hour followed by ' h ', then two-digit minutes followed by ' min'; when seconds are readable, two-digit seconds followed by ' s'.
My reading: 5 h 57 min
